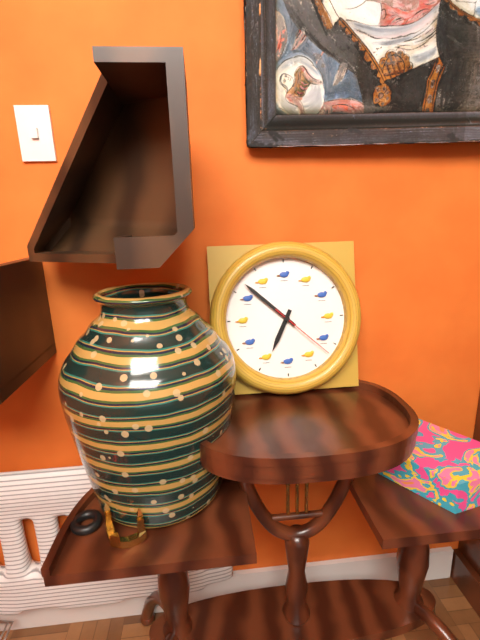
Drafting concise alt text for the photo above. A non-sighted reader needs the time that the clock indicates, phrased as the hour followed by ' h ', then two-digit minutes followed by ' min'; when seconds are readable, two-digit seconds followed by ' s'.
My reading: 6 h 52 min 22 s
